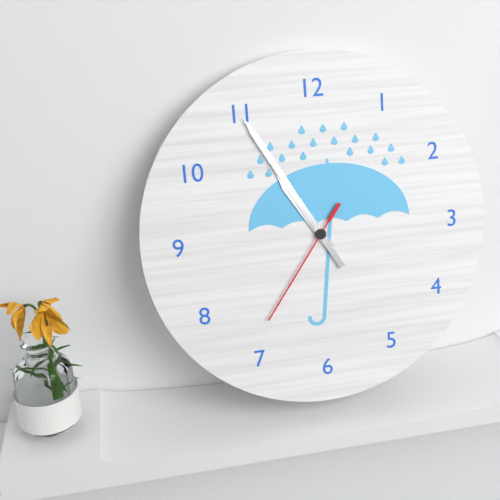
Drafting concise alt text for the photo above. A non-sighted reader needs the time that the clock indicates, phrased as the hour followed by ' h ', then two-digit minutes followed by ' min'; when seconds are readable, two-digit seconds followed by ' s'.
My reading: 10 h 55 min 36 s
